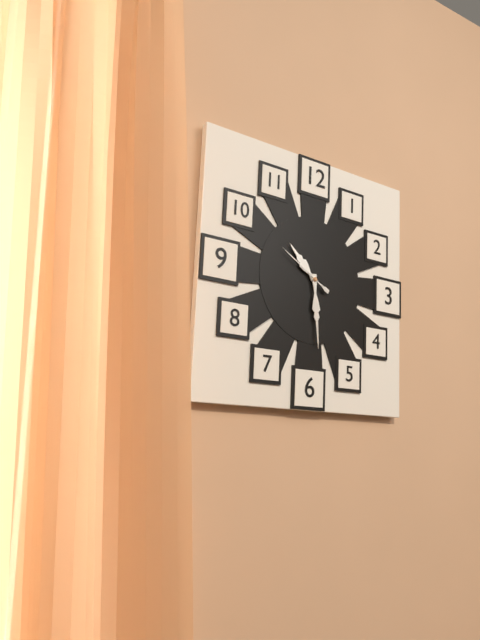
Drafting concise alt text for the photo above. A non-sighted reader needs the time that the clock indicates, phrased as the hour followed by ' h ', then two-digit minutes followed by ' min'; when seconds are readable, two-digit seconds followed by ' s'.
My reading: 10 h 29 min 50 s
